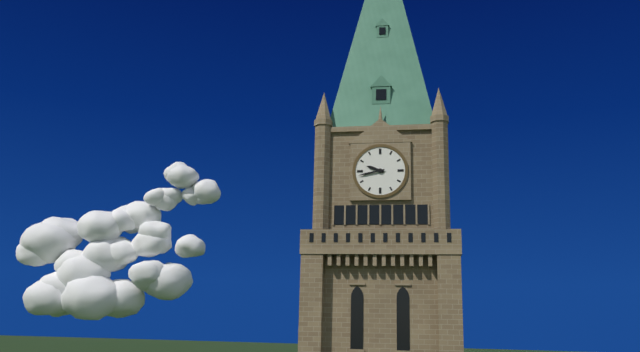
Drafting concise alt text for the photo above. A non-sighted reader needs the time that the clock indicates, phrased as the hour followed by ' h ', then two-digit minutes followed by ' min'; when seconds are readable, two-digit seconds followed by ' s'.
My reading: 9 h 43 min
